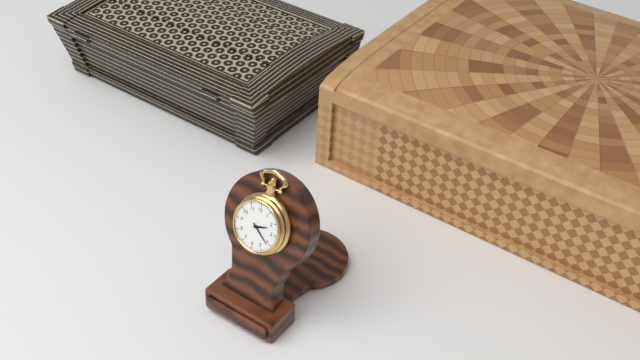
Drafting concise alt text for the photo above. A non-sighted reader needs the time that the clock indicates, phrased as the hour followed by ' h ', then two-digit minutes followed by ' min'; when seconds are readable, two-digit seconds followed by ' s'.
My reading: 2 h 21 min
